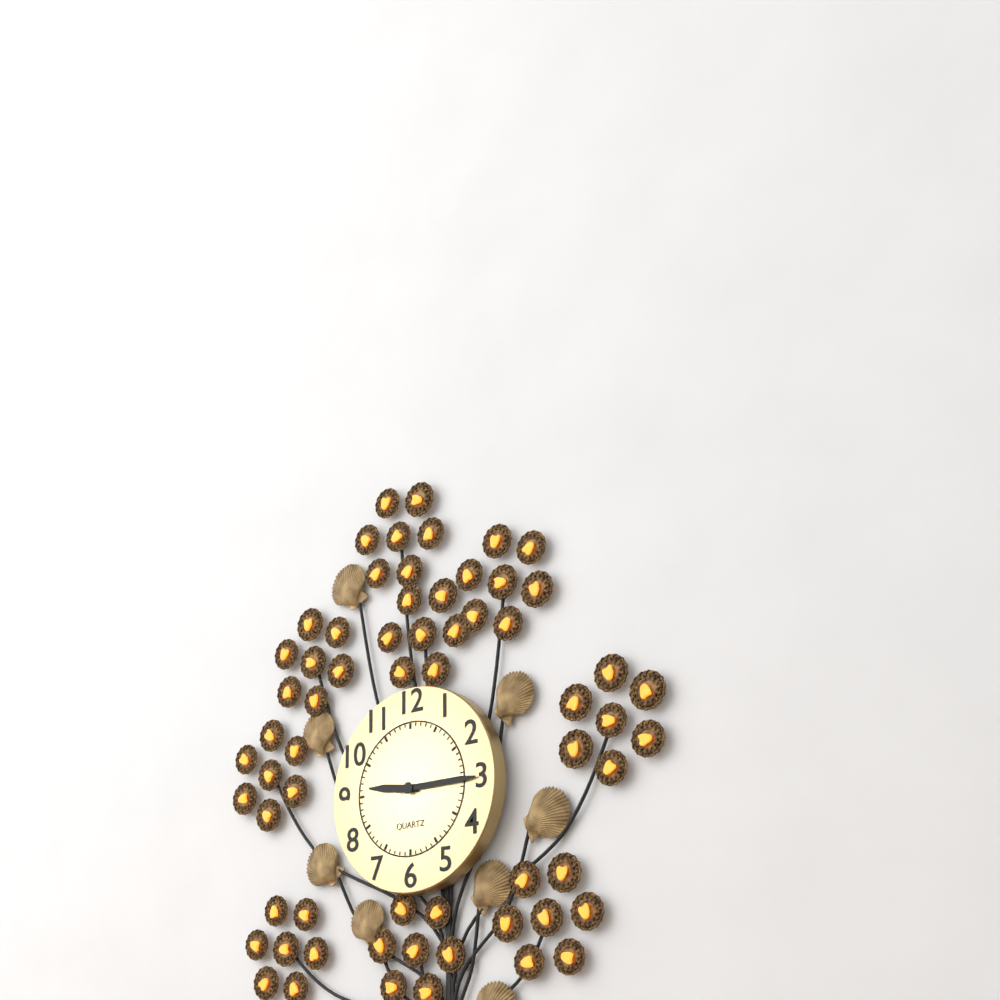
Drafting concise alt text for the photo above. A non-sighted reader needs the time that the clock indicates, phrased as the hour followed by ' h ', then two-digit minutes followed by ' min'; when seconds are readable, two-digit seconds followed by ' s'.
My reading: 9 h 15 min
